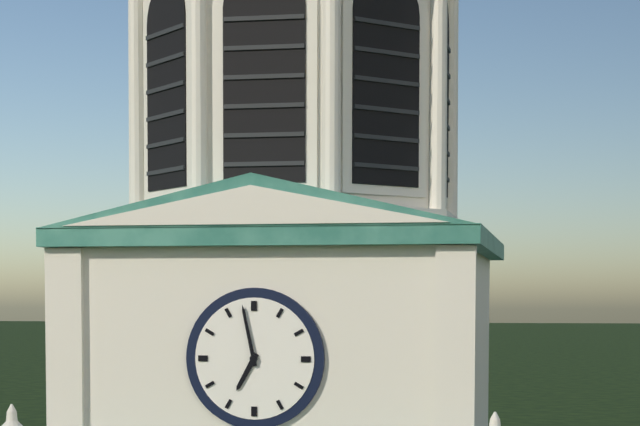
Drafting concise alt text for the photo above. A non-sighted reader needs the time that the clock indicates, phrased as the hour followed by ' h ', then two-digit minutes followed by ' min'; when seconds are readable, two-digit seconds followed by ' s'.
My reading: 6 h 58 min
